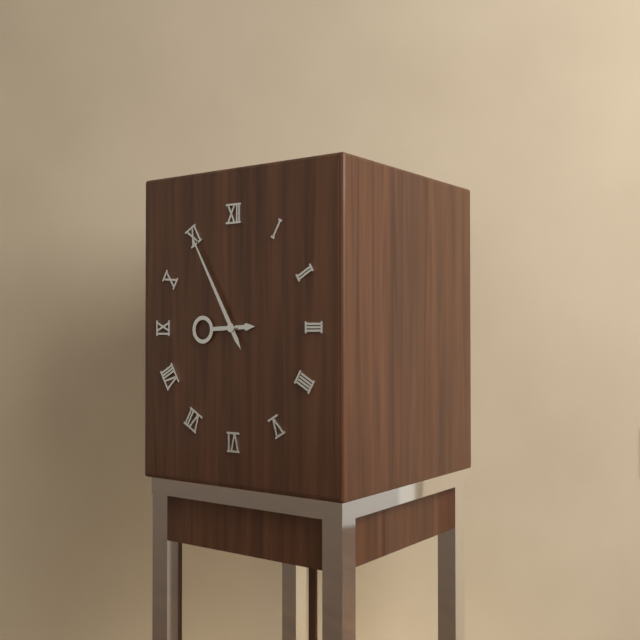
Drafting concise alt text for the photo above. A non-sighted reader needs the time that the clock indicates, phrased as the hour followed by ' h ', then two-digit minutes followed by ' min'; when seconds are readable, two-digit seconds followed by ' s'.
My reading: 8 h 55 min
